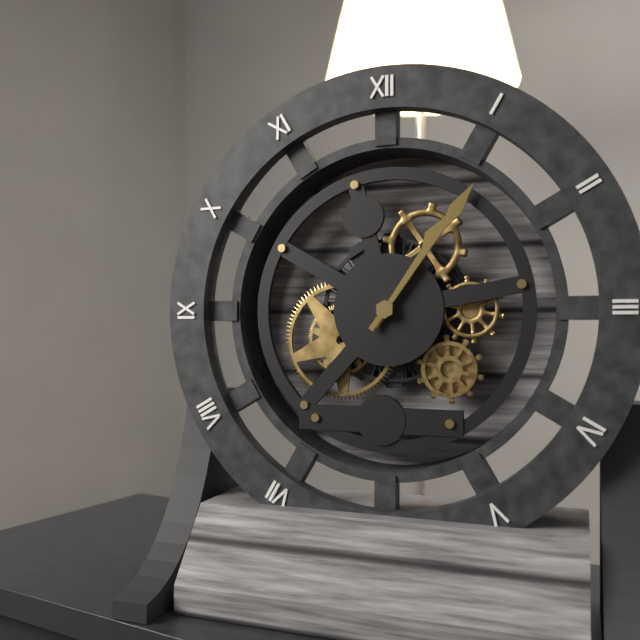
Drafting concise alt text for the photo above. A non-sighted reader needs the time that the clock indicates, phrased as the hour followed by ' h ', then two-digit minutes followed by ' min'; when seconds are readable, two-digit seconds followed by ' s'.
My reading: 1 h 06 min
